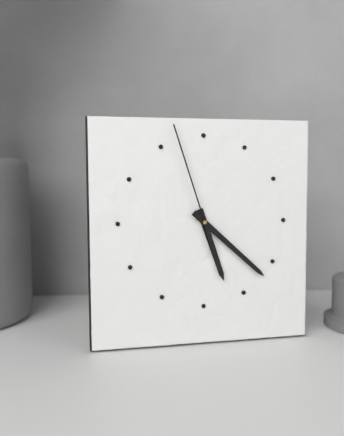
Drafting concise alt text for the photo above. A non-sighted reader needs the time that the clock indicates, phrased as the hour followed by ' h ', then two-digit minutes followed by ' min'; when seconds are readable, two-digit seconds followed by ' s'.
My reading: 5 h 22 min 57 s
